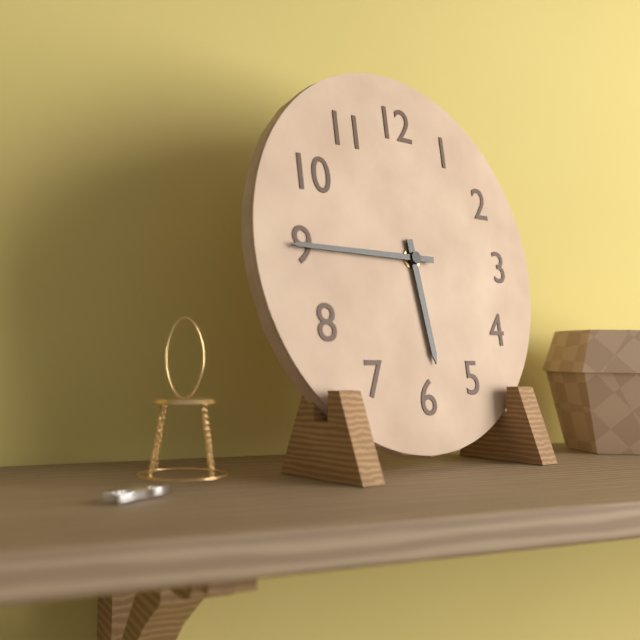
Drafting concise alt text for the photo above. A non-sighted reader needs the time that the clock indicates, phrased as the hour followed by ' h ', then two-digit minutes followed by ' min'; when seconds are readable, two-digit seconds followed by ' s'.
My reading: 5 h 45 min
